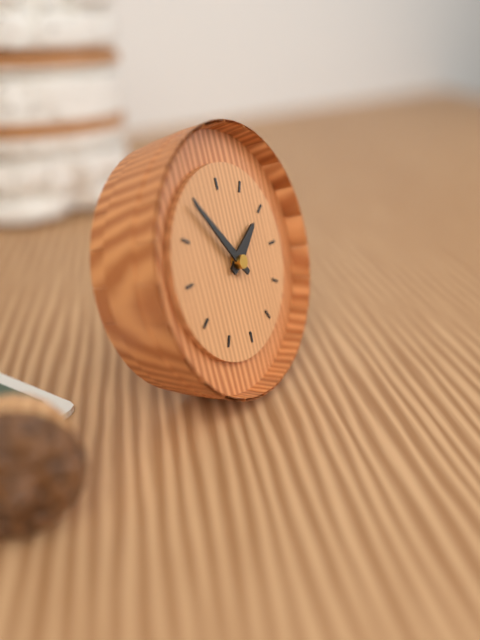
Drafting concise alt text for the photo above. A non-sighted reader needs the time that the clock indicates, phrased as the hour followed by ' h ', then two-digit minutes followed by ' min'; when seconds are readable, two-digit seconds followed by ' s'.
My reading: 1 h 54 min
